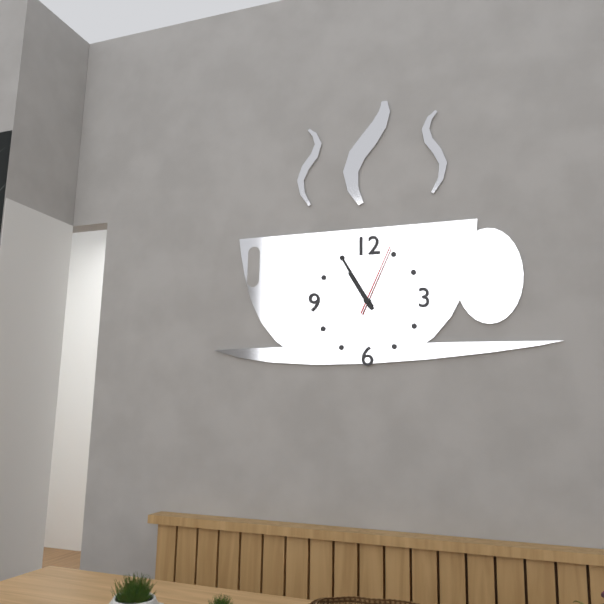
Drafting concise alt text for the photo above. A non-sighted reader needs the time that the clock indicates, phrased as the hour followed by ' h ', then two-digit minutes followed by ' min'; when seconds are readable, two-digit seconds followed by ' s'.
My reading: 10 h 55 min 04 s
